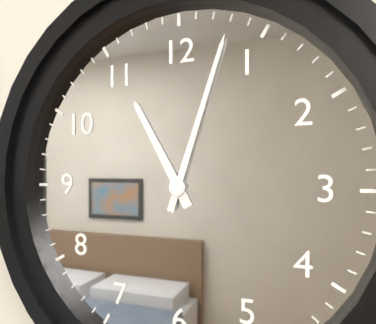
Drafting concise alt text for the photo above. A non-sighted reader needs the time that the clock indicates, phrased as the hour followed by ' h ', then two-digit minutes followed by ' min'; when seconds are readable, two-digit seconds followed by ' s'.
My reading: 11 h 03 min
